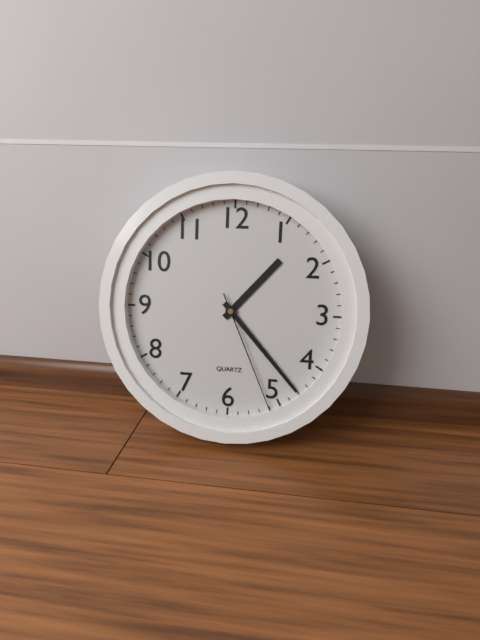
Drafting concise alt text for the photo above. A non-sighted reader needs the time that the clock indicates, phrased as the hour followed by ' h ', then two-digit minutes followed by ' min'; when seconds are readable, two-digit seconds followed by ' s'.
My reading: 1 h 23 min 26 s
